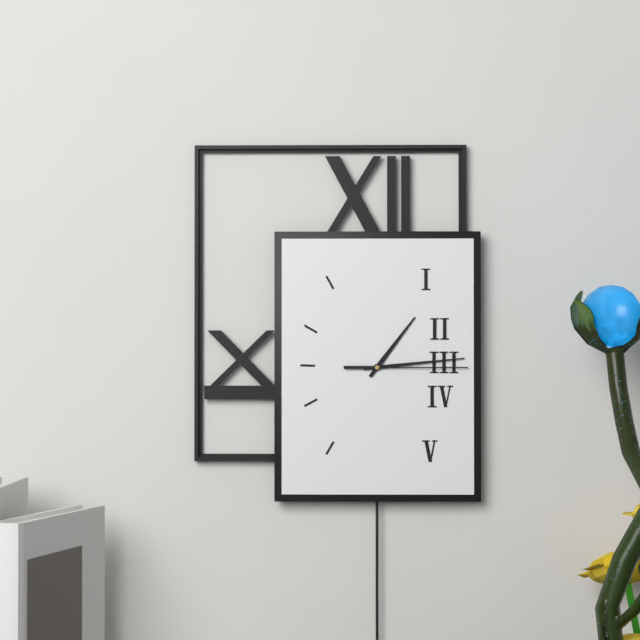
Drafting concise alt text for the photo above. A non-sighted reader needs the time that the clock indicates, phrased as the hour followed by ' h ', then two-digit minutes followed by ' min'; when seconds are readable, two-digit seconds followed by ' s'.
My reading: 1 h 14 min 15 s
